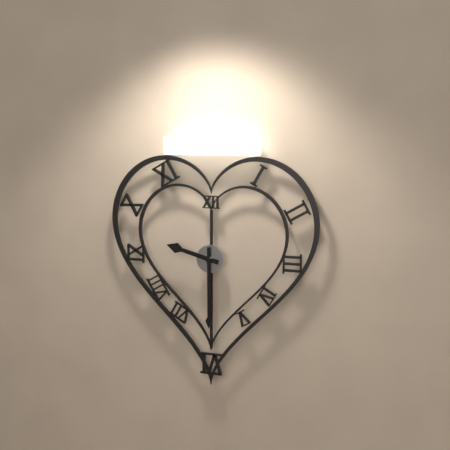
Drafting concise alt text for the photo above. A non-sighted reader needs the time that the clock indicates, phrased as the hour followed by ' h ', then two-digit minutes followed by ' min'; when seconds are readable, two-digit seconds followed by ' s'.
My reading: 9 h 30 min
